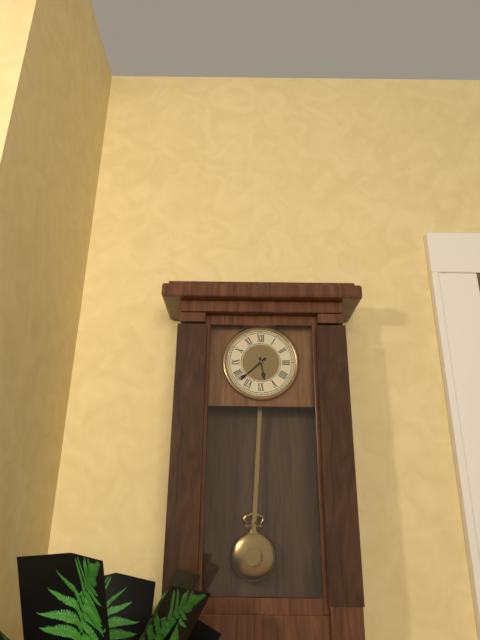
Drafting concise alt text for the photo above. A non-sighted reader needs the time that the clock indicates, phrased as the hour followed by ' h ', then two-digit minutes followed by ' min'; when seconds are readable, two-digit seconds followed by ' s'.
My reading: 5 h 38 min
